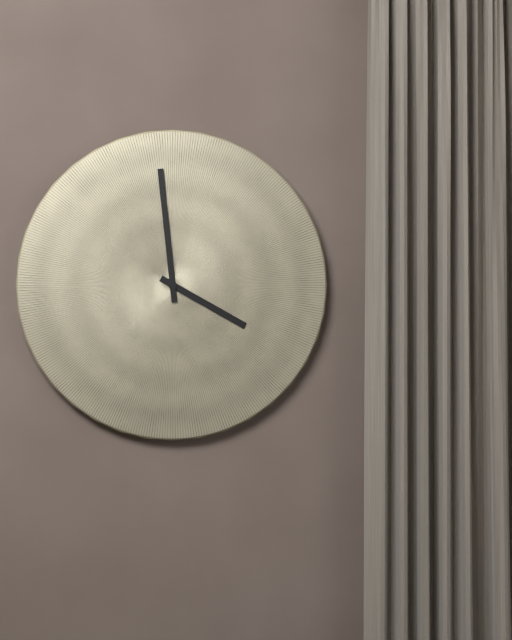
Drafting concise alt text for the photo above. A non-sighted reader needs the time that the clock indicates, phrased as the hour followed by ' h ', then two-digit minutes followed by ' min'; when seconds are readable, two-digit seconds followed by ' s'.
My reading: 3 h 59 min
